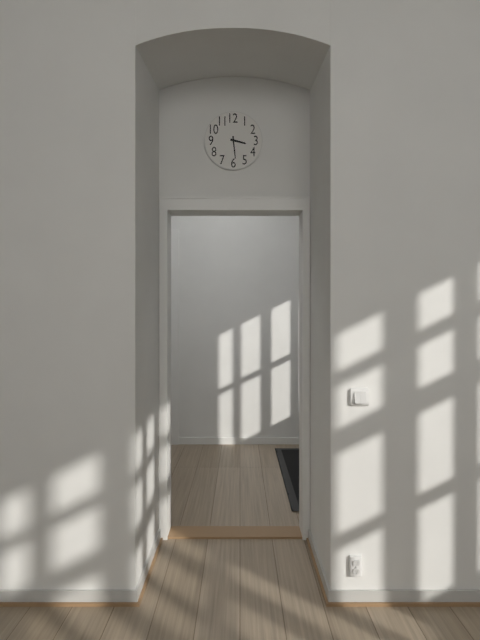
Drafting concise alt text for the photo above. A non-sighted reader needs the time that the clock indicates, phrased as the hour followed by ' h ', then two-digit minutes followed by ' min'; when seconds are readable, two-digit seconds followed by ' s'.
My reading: 3 h 29 min
